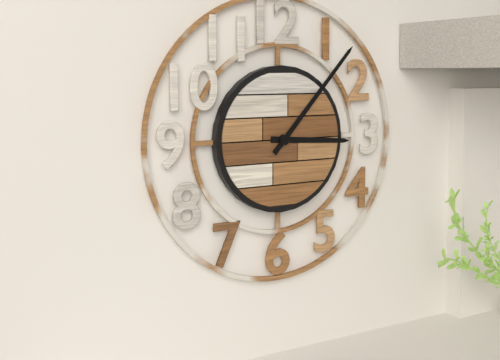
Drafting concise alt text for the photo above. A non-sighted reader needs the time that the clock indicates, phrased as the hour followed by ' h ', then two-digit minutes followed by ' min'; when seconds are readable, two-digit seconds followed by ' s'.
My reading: 3 h 07 min
